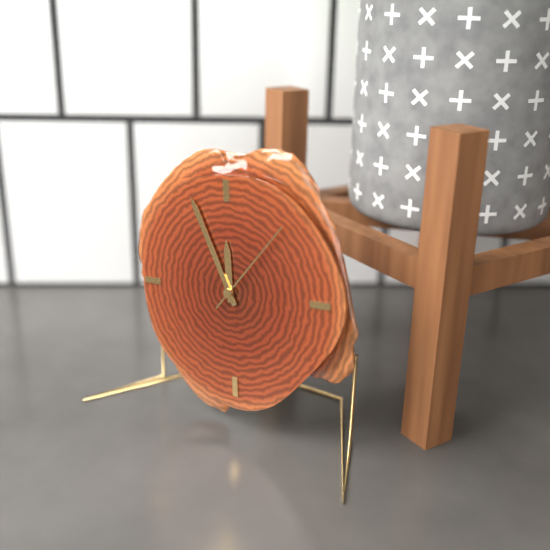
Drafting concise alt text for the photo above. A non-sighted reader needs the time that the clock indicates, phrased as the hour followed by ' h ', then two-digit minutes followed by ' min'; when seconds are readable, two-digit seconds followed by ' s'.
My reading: 11 h 56 min 07 s
